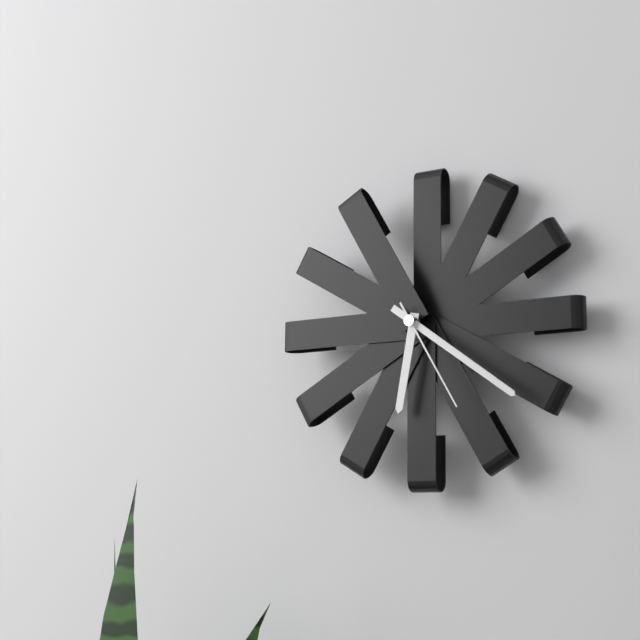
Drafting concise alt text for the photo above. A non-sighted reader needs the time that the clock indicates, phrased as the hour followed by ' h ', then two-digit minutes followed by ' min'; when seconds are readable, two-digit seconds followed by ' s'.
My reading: 6 h 21 min 25 s
